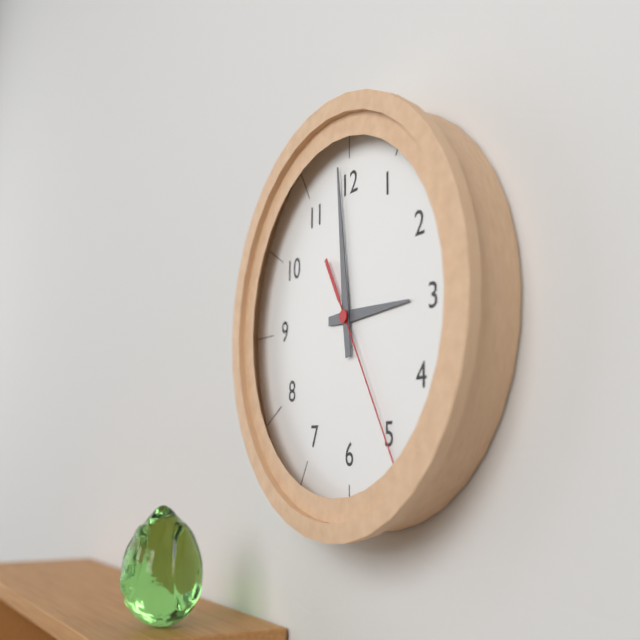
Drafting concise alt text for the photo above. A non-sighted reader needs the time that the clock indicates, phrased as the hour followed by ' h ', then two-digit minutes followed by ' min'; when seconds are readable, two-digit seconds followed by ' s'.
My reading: 2 h 59 min 25 s
